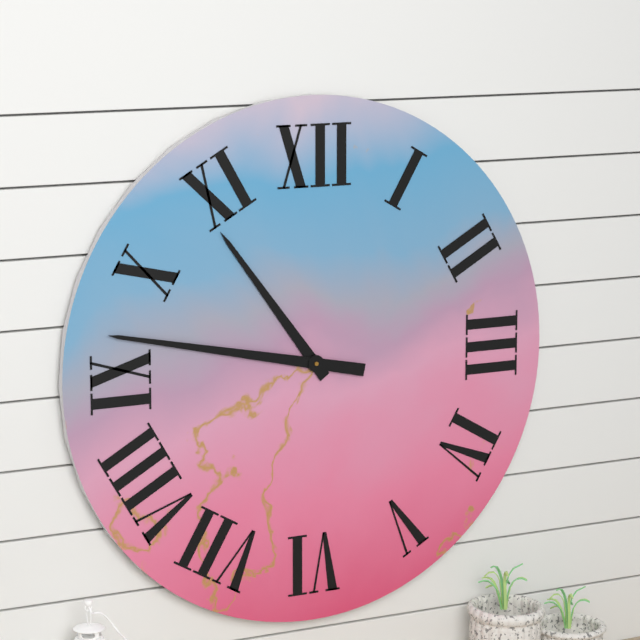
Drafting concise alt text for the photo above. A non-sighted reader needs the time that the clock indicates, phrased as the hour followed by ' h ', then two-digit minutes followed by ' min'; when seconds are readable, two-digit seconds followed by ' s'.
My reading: 10 h 47 min
